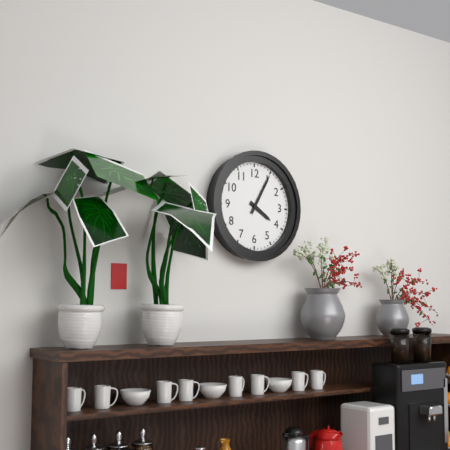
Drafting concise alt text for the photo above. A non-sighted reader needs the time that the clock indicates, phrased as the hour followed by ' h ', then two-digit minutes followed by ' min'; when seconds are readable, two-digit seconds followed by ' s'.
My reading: 4 h 05 min
